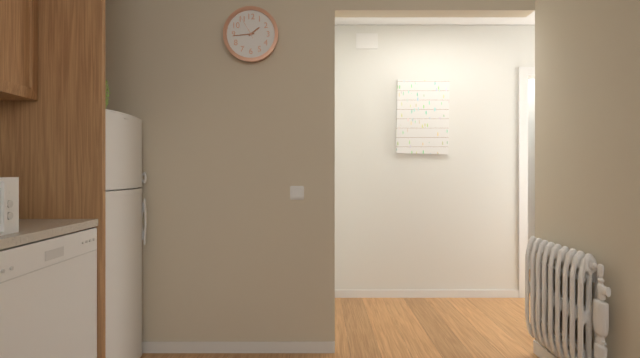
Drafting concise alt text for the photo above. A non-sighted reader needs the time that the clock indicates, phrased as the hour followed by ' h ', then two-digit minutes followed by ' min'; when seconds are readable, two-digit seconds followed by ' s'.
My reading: 1 h 44 min
